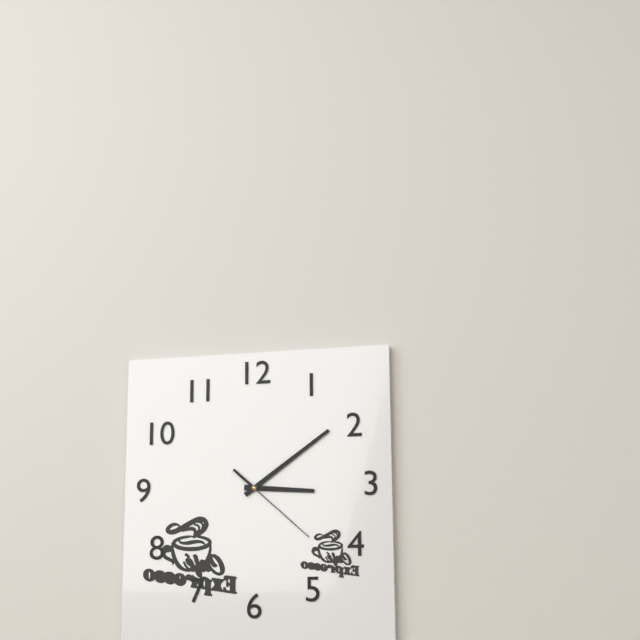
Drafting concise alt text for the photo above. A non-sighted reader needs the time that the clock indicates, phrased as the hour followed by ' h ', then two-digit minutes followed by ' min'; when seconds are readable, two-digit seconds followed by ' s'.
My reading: 3 h 09 min 22 s
